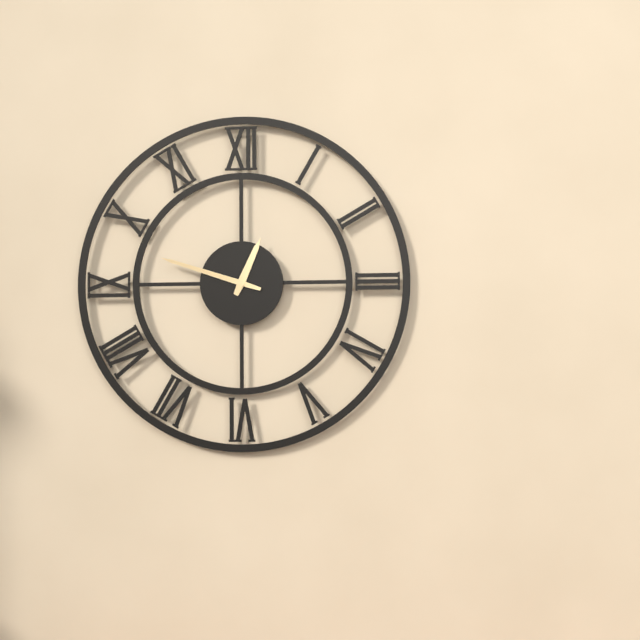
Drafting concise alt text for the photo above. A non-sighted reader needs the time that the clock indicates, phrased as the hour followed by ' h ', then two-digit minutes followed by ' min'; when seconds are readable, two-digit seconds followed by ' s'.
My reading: 12 h 48 min
